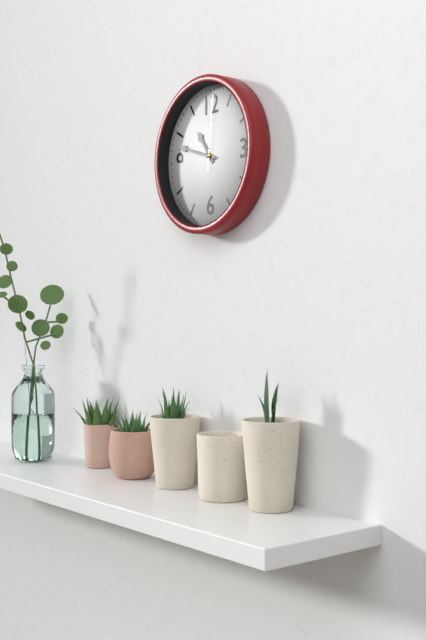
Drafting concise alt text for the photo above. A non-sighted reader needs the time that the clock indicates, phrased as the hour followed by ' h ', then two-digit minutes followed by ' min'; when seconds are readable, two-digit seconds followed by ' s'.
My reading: 10 h 48 min 01 s
